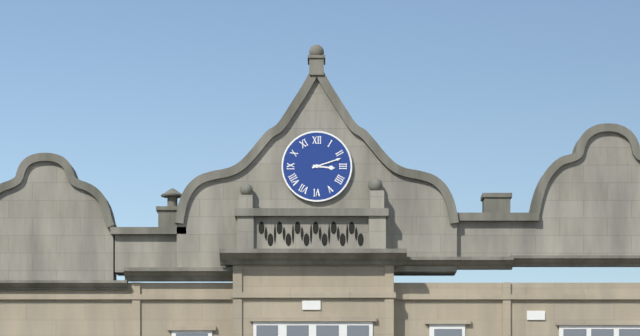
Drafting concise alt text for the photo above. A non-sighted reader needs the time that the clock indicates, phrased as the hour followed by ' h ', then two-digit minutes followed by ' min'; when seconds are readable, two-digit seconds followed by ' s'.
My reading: 3 h 12 min
